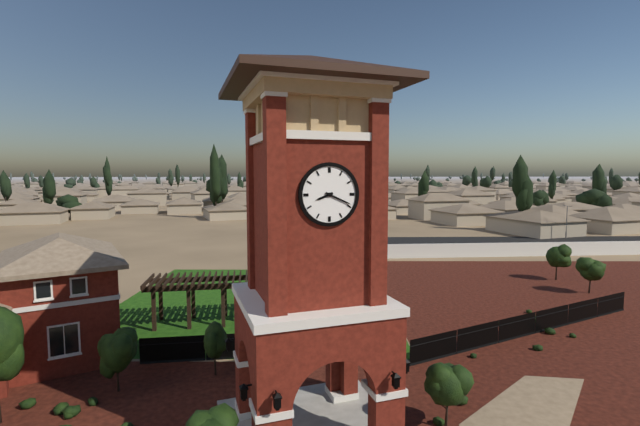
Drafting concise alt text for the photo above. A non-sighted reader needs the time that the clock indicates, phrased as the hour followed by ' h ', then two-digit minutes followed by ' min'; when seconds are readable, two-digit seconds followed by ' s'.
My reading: 8 h 19 min
